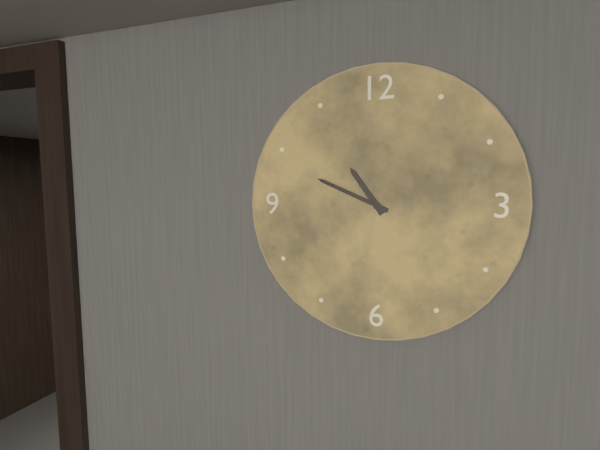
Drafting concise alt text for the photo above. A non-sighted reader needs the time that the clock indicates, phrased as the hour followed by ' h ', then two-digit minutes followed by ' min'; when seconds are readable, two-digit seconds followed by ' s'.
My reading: 10 h 49 min
